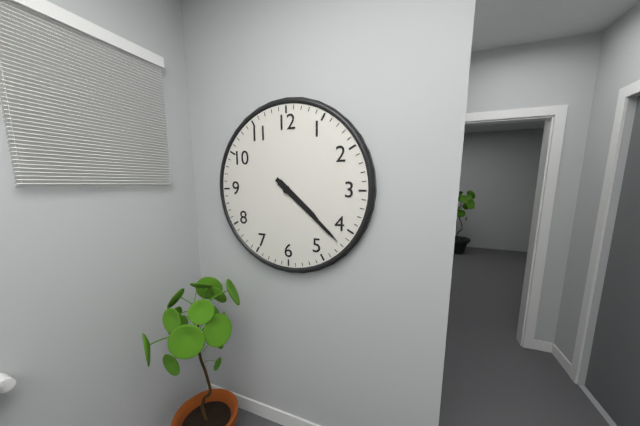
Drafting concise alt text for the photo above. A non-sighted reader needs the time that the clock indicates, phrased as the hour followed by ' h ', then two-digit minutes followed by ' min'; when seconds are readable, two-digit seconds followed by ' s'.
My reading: 4 h 22 min
